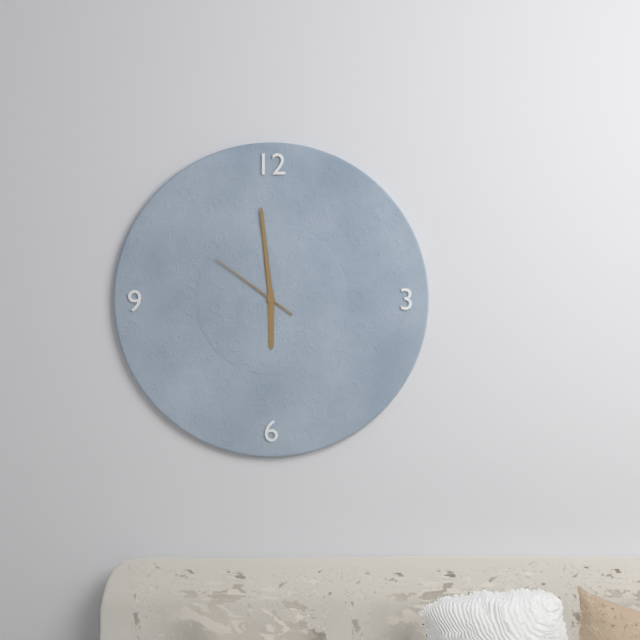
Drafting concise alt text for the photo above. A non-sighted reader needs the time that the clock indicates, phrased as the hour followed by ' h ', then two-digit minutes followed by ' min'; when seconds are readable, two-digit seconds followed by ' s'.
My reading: 5 h 59 min 51 s
